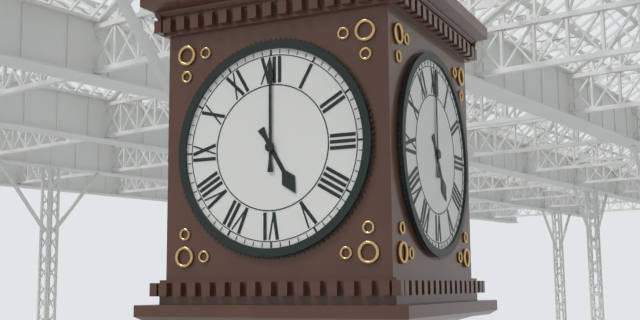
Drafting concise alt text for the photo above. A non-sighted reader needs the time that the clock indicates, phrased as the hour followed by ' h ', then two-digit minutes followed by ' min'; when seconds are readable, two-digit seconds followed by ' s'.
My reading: 5 h 00 min
